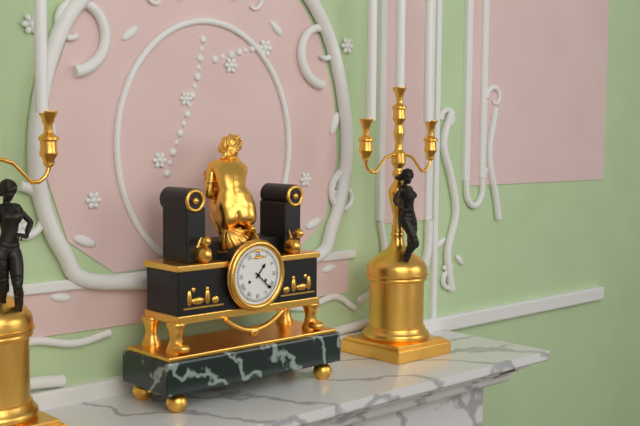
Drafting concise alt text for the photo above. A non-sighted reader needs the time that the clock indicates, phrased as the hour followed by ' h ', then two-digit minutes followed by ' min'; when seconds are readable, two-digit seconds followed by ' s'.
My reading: 1 h 22 min
